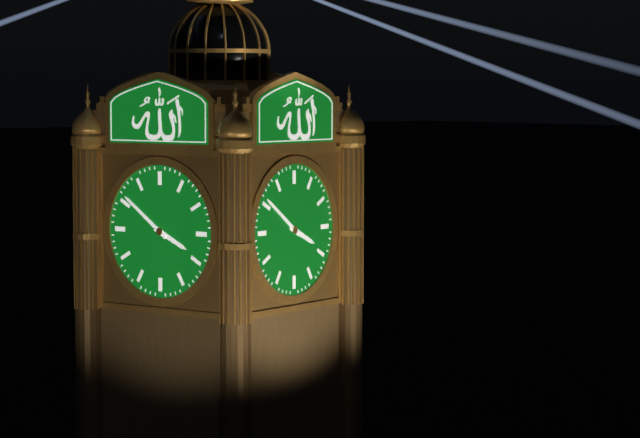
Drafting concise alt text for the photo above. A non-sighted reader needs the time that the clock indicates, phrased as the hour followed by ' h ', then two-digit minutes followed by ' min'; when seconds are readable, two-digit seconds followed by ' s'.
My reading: 3 h 51 min
